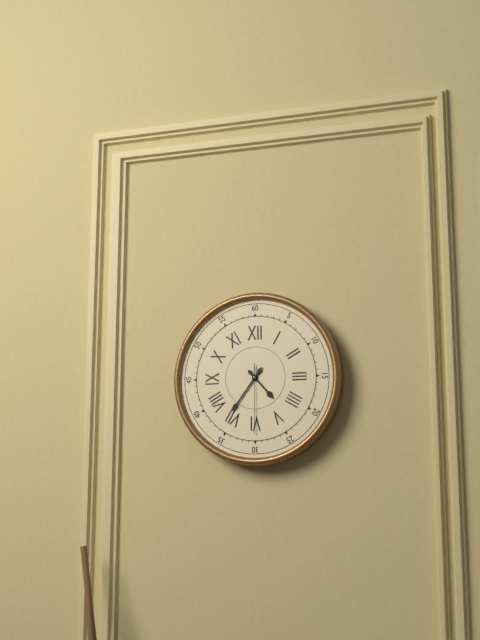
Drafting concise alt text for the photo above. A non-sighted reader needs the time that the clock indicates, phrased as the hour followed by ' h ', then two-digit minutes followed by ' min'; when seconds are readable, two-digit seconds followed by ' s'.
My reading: 4 h 36 min 30 s
